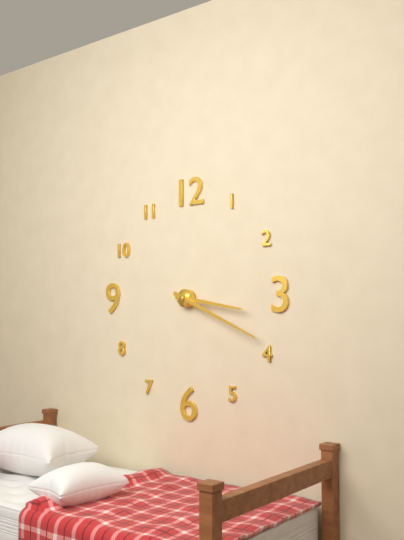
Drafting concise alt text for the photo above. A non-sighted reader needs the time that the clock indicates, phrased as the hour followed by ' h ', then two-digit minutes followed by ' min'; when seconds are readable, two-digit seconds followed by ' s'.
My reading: 3 h 19 min
